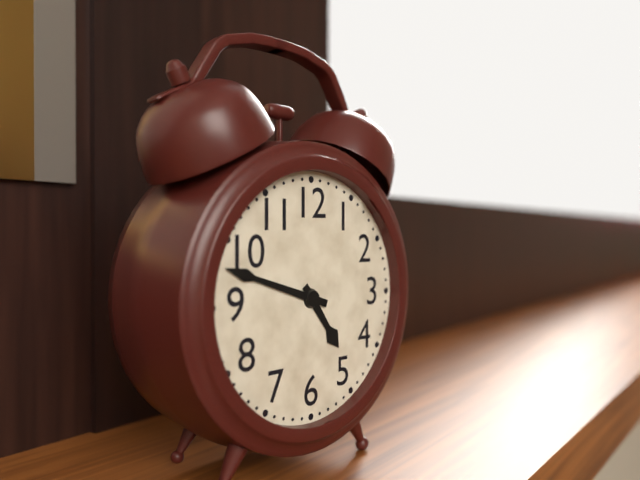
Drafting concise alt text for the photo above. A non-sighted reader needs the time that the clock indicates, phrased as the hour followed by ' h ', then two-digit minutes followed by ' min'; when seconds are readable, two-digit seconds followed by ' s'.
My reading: 4 h 48 min
